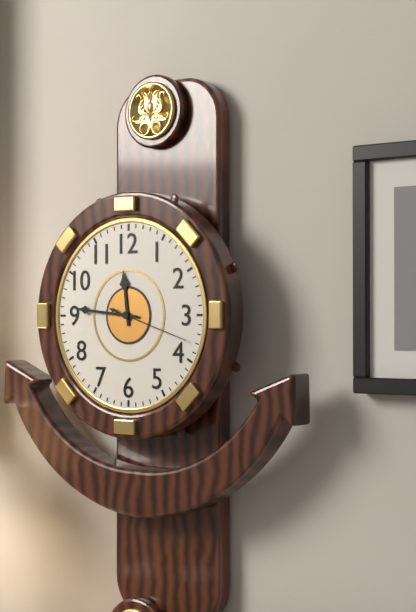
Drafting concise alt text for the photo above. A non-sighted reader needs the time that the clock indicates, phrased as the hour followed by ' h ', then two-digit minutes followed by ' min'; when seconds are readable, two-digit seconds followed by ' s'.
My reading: 11 h 46 min 18 s
